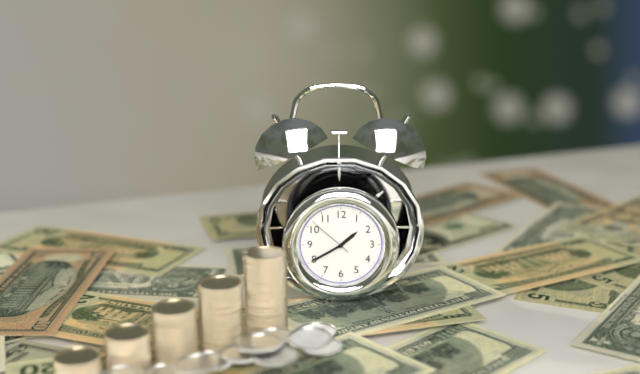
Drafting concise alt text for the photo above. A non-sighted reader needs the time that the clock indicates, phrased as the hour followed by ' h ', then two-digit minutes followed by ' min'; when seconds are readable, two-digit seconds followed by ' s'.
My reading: 1 h 40 min
